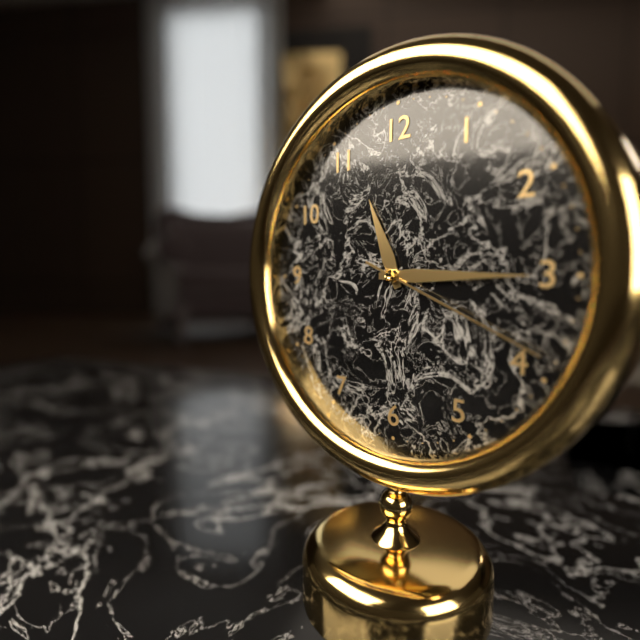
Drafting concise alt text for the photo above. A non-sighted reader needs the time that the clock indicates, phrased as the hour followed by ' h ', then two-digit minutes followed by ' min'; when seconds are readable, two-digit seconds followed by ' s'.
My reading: 11 h 15 min 19 s
